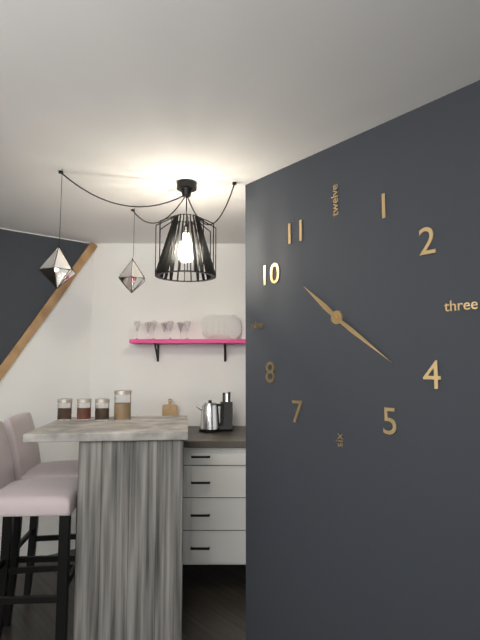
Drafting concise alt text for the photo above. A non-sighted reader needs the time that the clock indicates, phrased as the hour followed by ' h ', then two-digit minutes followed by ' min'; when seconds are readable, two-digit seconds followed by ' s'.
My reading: 10 h 21 min
